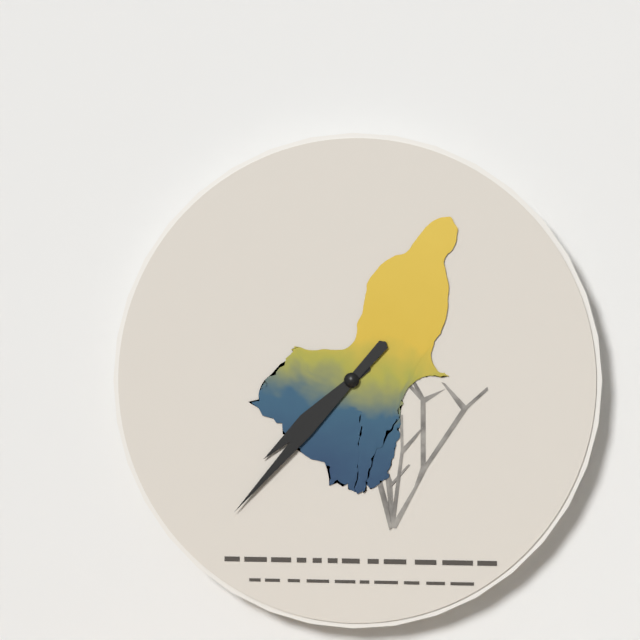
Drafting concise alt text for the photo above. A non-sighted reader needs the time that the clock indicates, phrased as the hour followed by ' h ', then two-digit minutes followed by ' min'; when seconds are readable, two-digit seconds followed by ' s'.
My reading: 7 h 37 min
